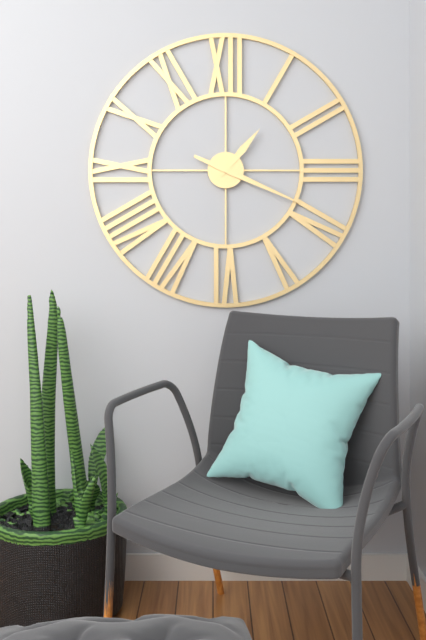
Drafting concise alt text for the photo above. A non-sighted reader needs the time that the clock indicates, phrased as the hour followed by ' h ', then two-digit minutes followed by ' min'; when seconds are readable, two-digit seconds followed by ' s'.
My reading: 1 h 19 min
